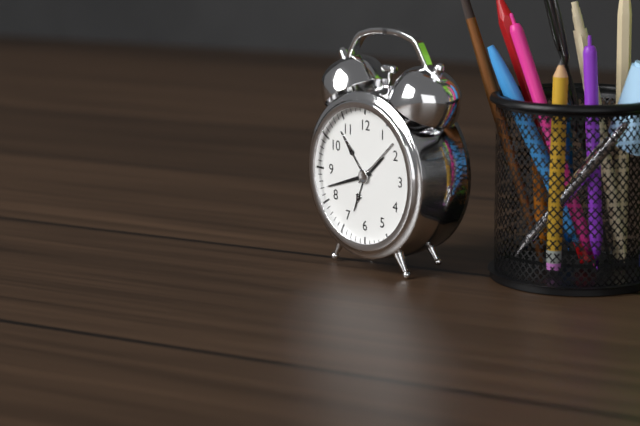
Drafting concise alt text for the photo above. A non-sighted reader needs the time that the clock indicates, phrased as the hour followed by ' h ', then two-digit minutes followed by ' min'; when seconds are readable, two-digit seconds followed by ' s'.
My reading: 1 h 42 min
